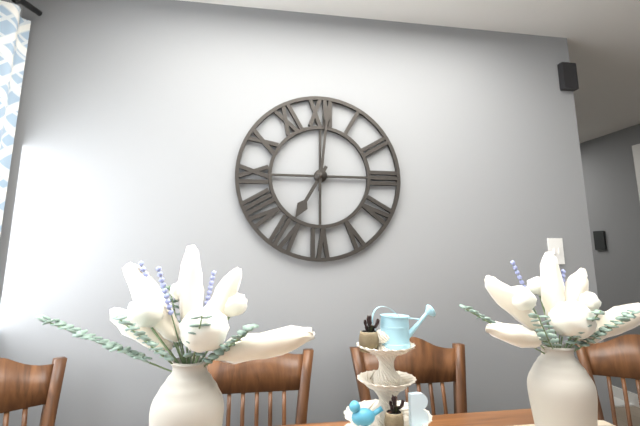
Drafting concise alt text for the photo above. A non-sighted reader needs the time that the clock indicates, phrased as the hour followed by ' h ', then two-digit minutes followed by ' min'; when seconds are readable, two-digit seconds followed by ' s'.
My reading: 7 h 01 min
